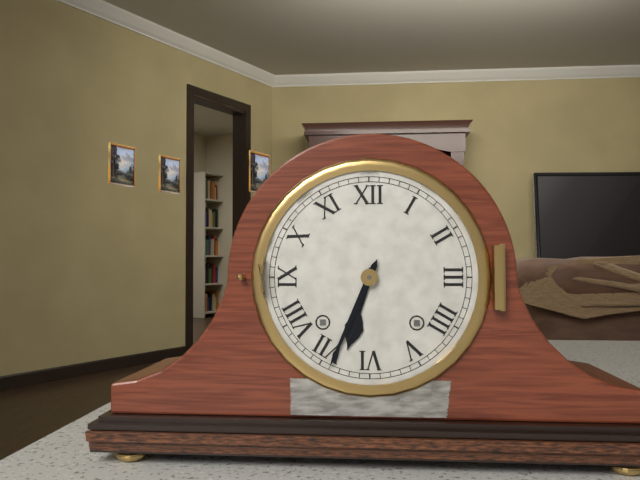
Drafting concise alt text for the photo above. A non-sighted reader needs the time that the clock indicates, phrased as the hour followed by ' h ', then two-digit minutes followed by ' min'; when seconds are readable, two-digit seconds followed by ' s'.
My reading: 6 h 34 min
